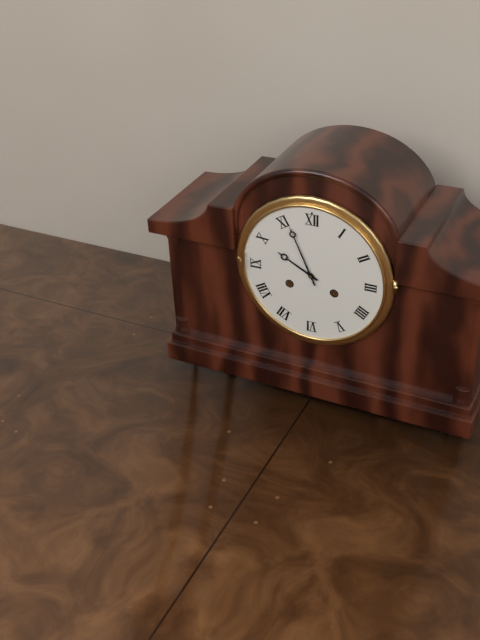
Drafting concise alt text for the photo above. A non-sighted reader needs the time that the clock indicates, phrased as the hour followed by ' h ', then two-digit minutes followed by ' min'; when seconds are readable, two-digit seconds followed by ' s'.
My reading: 9 h 56 min
